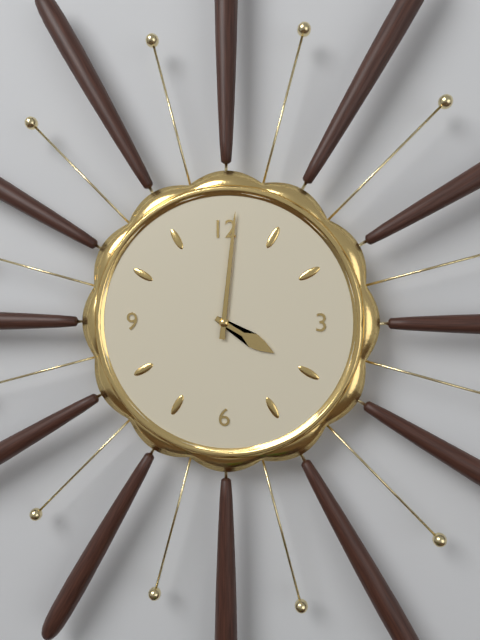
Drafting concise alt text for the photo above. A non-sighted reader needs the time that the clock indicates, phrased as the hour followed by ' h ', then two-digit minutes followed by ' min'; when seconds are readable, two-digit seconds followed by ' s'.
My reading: 4 h 01 min
